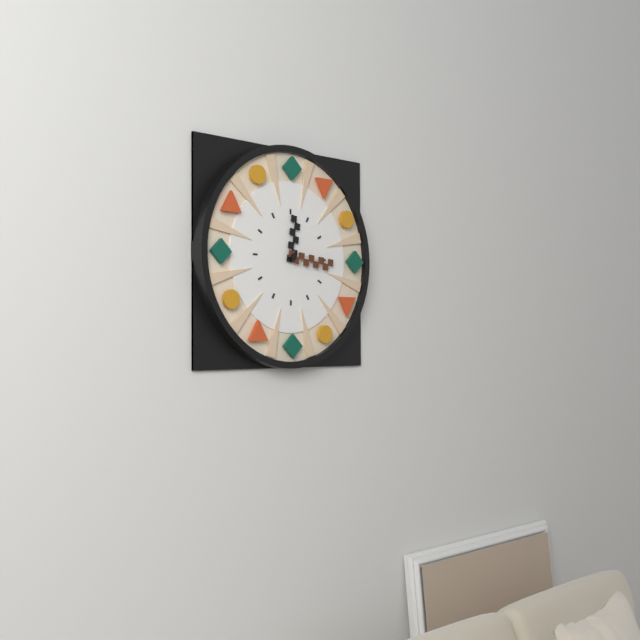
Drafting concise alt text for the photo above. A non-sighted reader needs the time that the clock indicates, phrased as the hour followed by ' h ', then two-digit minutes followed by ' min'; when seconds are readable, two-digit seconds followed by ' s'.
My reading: 12 h 16 min
